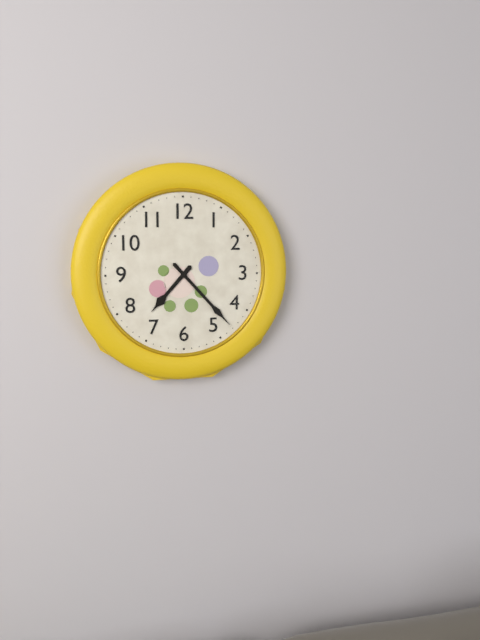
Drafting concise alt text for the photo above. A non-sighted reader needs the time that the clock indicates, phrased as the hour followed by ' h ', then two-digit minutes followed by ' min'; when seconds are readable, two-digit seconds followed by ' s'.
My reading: 7 h 23 min
